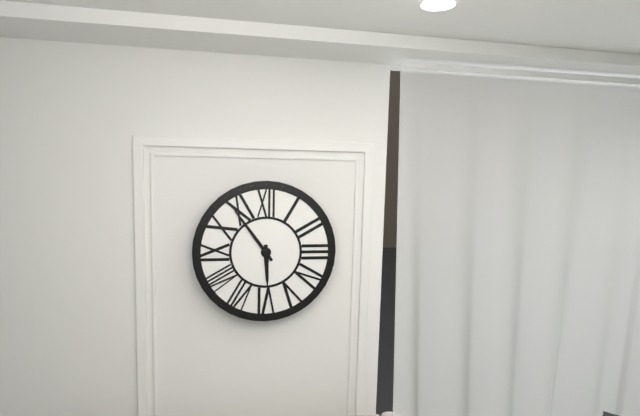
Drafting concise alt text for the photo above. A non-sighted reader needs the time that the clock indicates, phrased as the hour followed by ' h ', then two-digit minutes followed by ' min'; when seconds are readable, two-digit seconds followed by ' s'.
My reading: 5 h 54 min
